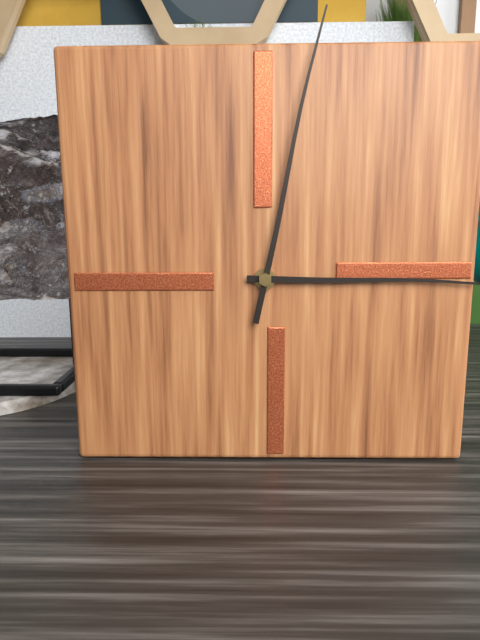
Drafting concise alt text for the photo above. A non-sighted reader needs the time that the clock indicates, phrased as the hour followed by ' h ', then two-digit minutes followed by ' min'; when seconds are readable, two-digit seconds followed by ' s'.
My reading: 3 h 02 min
